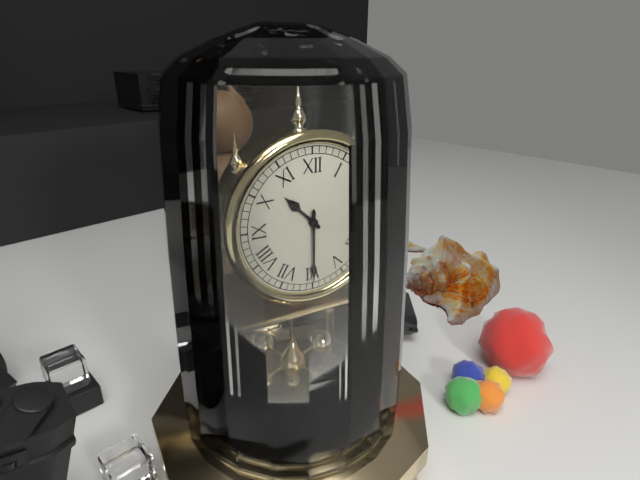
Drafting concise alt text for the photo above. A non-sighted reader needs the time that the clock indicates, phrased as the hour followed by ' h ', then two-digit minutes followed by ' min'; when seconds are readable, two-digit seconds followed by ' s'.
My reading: 10 h 30 min
